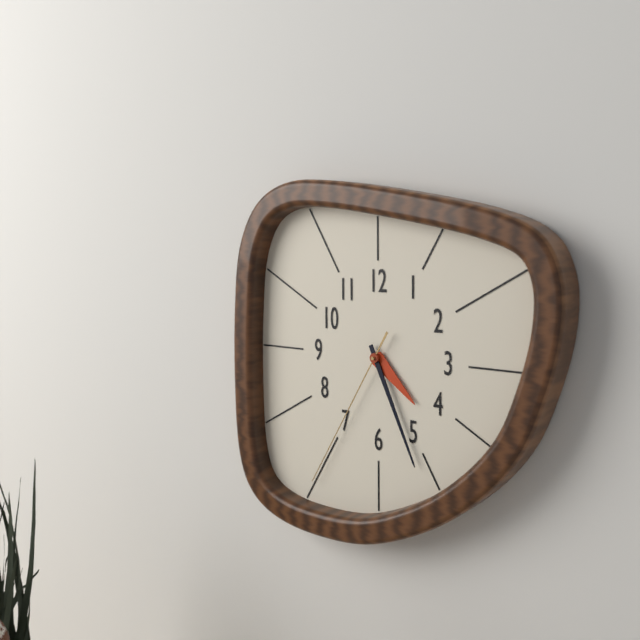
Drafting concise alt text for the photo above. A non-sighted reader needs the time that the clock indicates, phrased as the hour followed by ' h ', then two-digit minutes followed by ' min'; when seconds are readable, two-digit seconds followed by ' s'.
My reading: 4 h 26 min 35 s
